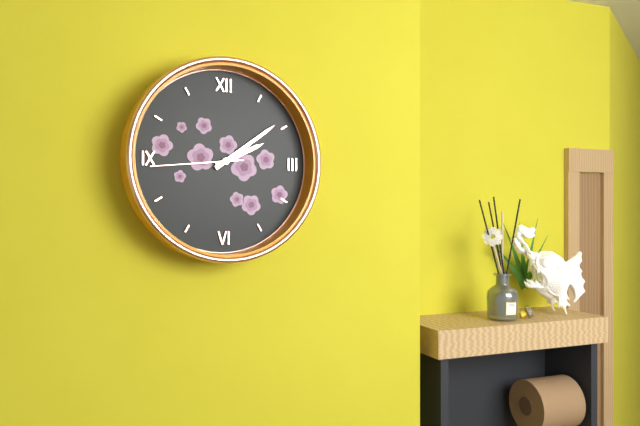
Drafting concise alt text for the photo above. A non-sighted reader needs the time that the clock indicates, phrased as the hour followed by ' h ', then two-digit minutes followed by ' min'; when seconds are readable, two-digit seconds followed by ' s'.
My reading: 2 h 09 min 44 s
